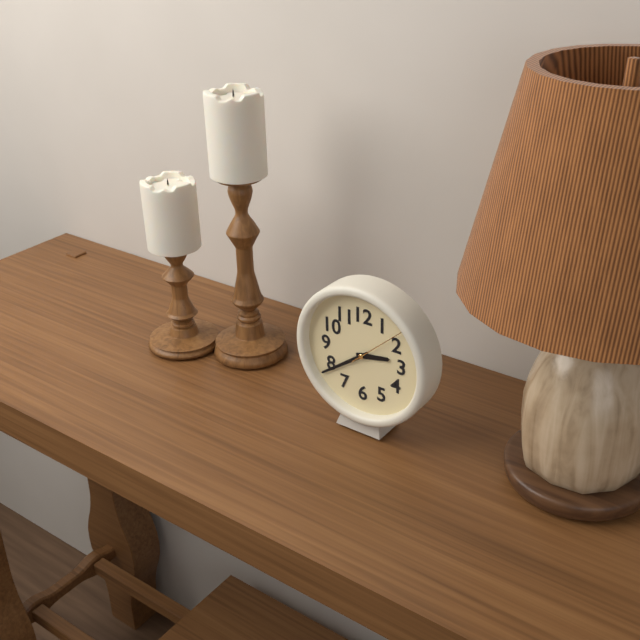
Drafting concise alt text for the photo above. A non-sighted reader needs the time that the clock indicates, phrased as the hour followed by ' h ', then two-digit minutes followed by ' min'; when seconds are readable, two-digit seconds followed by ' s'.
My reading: 2 h 39 min 08 s
